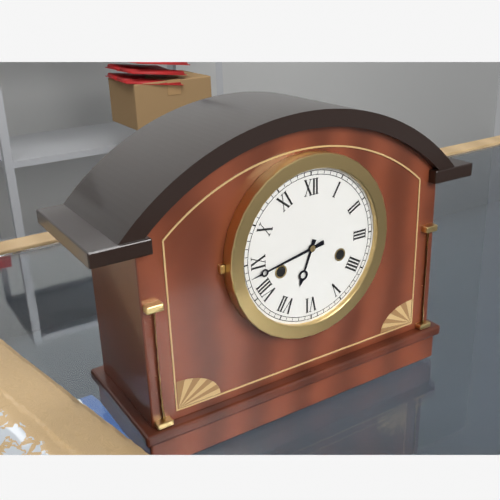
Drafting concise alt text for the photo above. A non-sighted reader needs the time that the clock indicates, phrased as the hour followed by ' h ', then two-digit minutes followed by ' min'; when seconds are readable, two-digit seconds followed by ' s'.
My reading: 6 h 43 min
